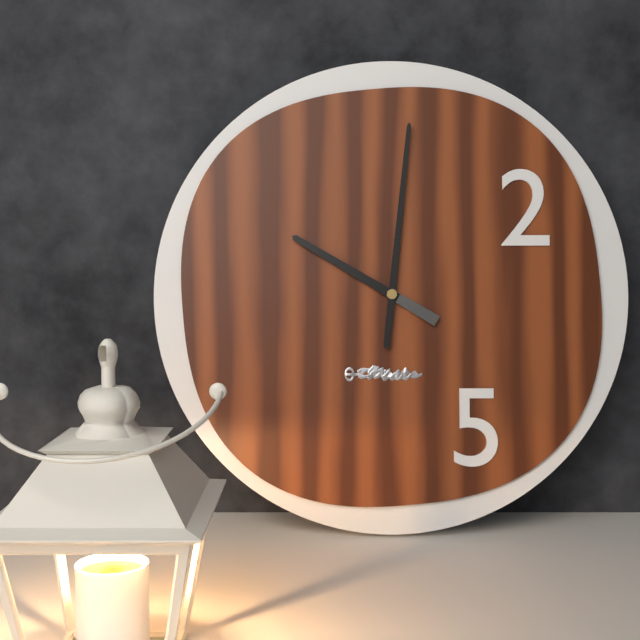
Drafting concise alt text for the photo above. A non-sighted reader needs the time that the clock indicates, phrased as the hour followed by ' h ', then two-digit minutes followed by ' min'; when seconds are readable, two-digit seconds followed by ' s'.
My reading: 10 h 01 min
